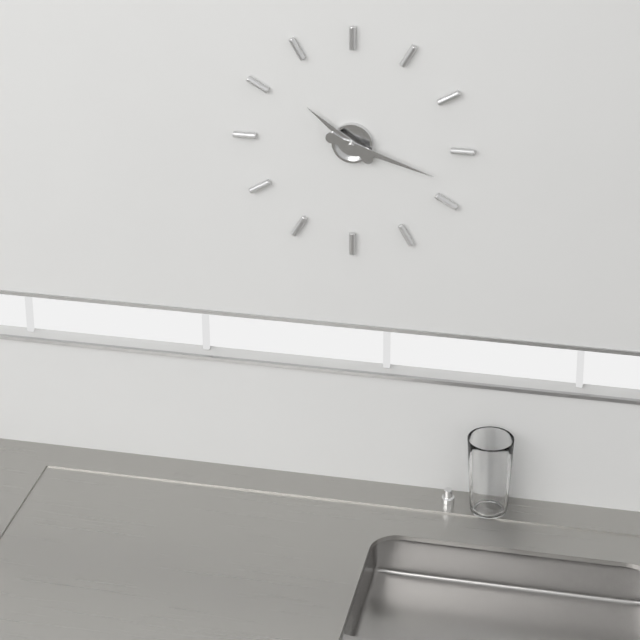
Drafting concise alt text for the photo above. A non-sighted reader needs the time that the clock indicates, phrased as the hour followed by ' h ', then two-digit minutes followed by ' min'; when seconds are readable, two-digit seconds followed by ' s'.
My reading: 10 h 18 min
